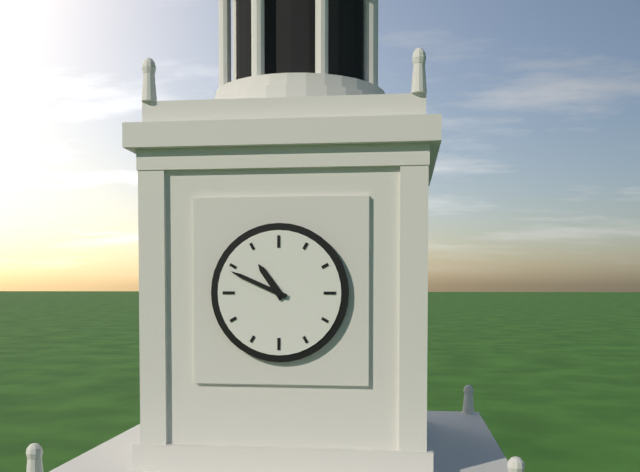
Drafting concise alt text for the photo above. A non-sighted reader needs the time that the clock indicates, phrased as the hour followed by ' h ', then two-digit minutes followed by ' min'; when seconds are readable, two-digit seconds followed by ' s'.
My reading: 10 h 49 min
